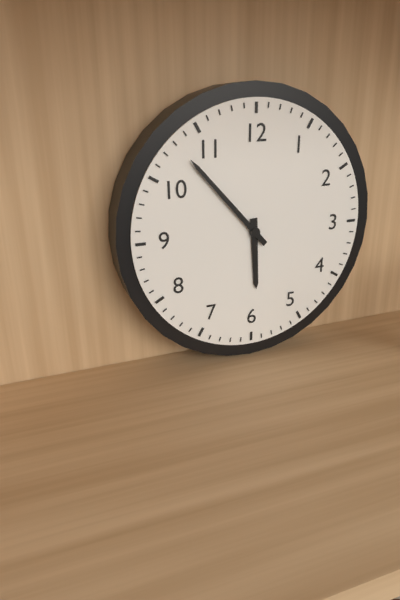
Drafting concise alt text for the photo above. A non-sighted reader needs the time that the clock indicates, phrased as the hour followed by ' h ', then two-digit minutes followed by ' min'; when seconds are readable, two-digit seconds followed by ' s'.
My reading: 5 h 53 min
